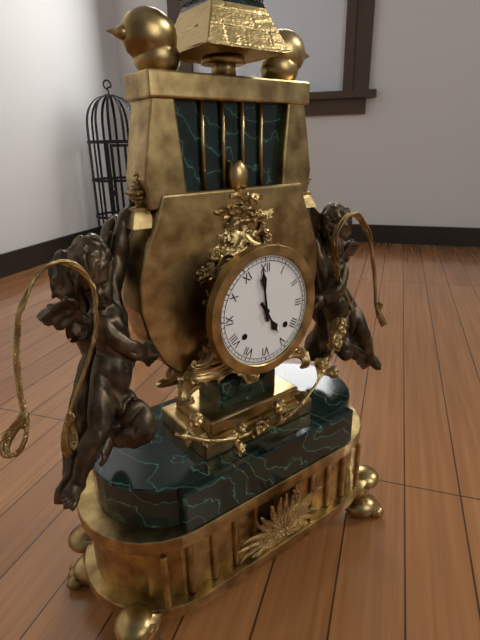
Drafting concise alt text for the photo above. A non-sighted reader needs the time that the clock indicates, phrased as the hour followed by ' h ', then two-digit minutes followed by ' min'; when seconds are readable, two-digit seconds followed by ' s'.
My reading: 4 h 59 min
